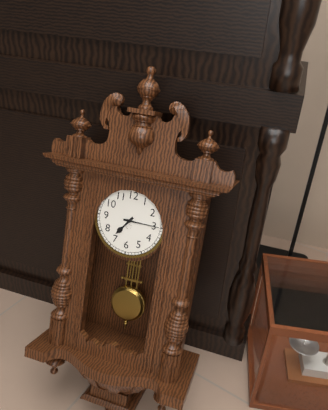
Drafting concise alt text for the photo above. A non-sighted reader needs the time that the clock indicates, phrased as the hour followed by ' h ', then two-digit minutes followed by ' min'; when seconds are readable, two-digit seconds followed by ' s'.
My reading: 7 h 15 min
